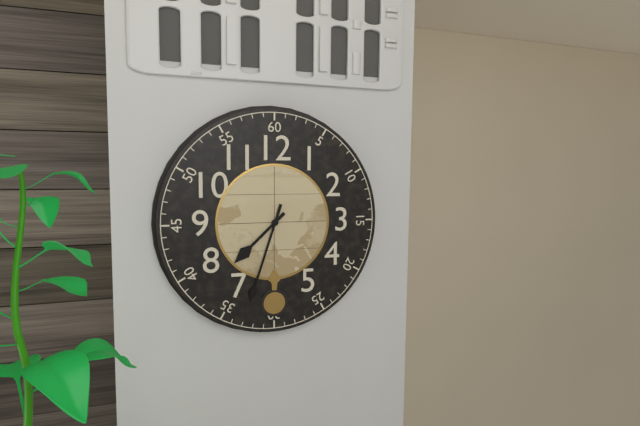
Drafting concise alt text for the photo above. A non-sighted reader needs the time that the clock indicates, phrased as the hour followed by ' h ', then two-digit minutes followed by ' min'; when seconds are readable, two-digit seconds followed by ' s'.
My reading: 7 h 33 min
